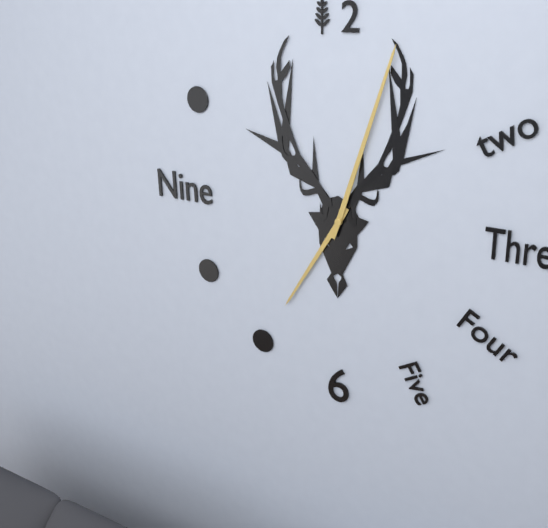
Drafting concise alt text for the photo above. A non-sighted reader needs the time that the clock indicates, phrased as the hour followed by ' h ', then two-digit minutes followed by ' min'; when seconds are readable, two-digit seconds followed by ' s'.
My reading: 7 h 03 min
